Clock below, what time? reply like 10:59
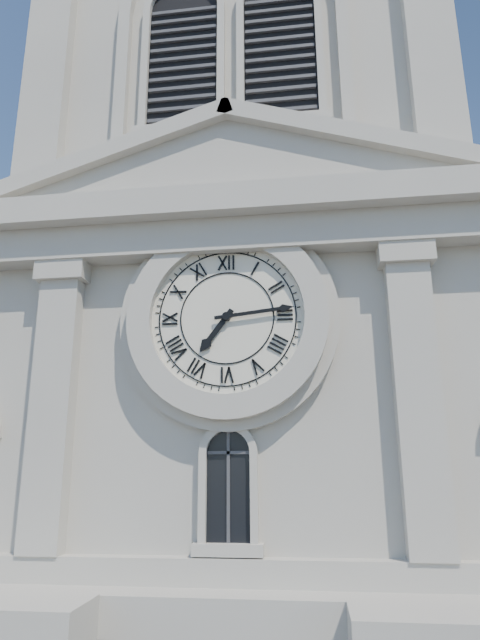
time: 7:14
